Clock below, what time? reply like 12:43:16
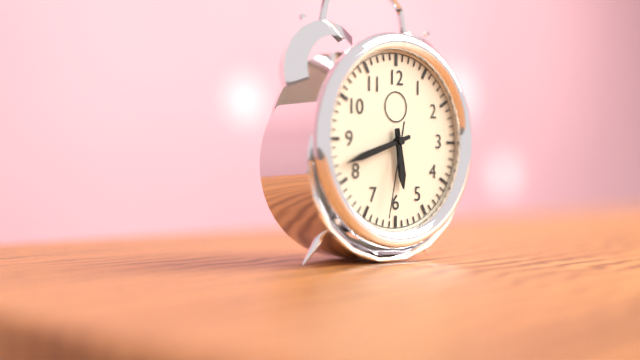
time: 5:42:32
